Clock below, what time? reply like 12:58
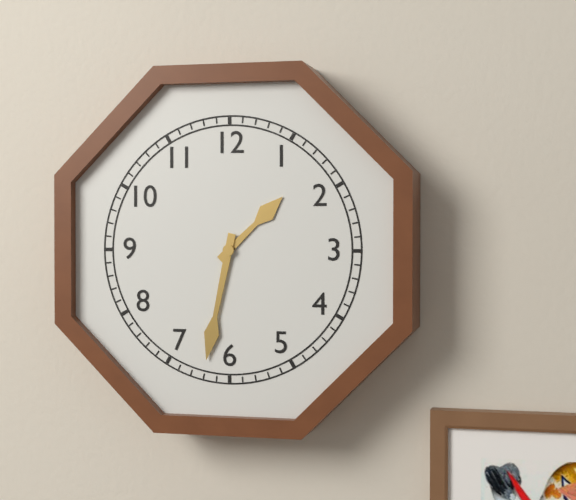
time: 1:32
